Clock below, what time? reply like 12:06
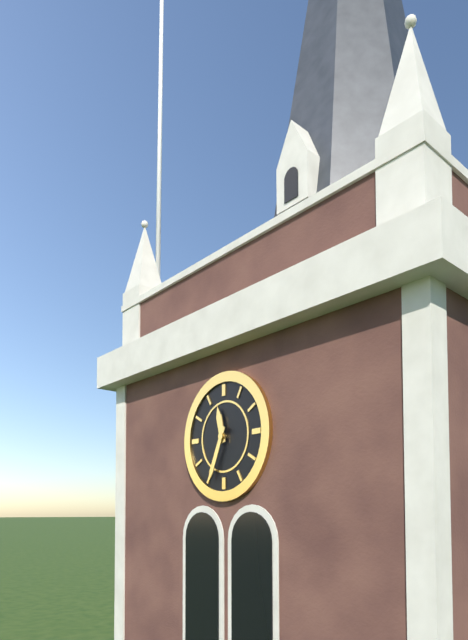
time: 11:34
